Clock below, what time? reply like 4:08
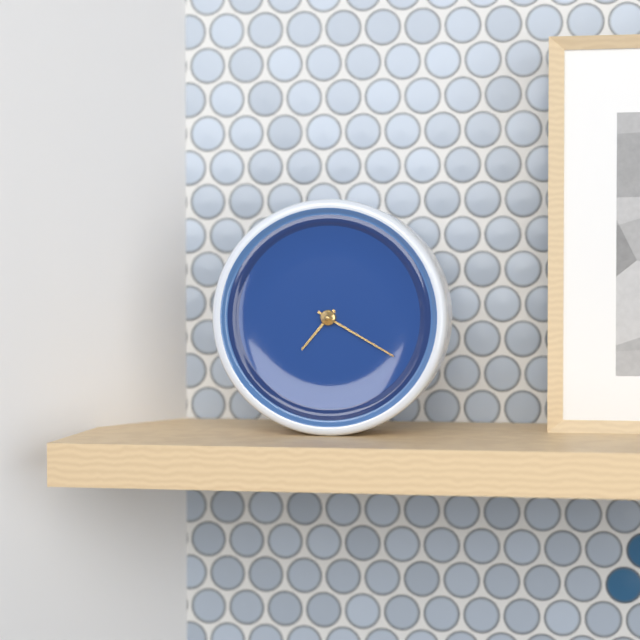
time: 7:20
